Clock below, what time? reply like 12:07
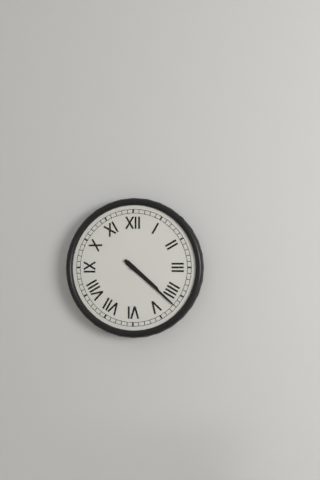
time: 4:22
